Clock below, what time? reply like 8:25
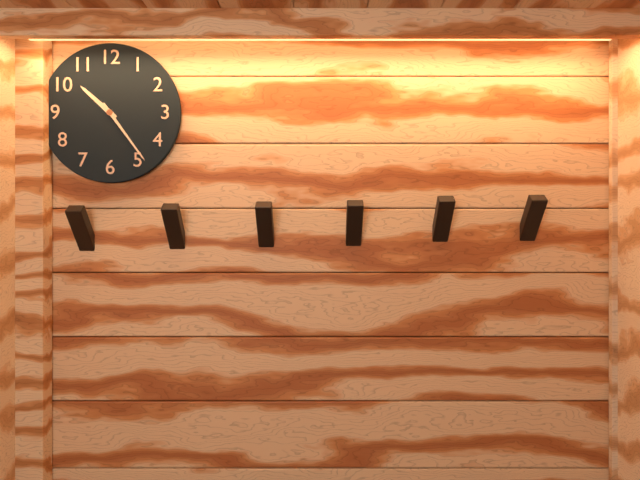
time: 10:24
